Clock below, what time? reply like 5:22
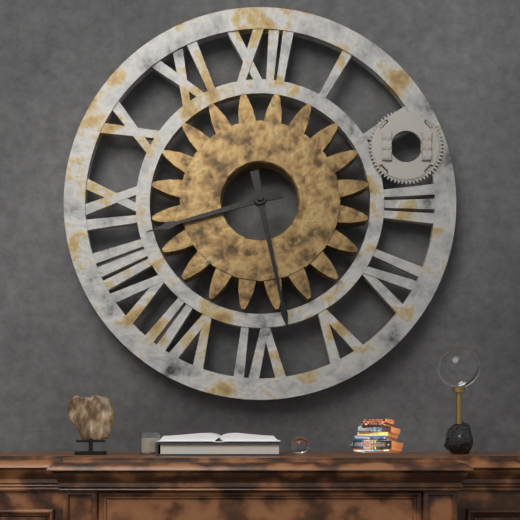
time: 8:28
